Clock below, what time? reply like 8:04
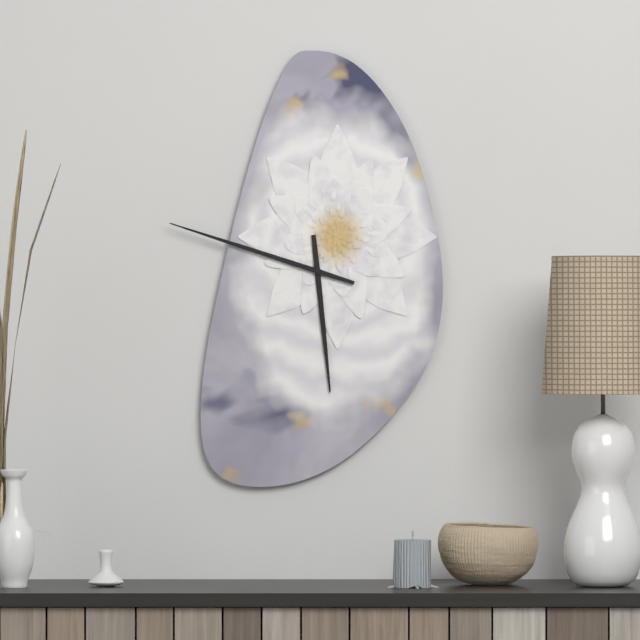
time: 5:48
